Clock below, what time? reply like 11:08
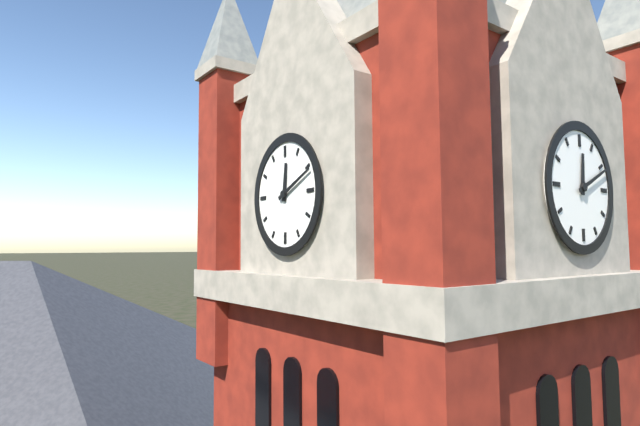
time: 12:11
